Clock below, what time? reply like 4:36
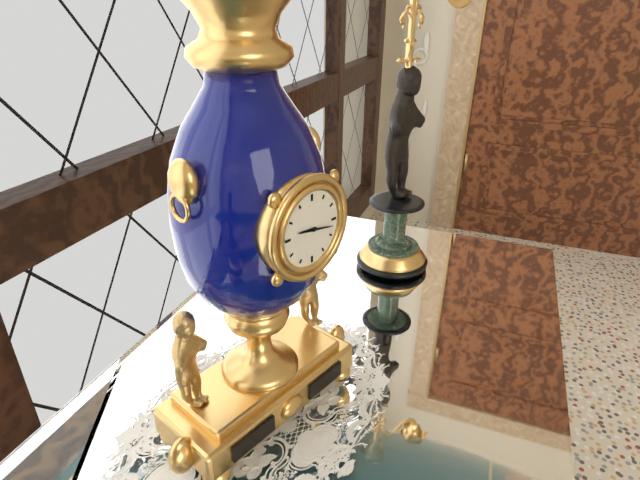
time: 9:17
